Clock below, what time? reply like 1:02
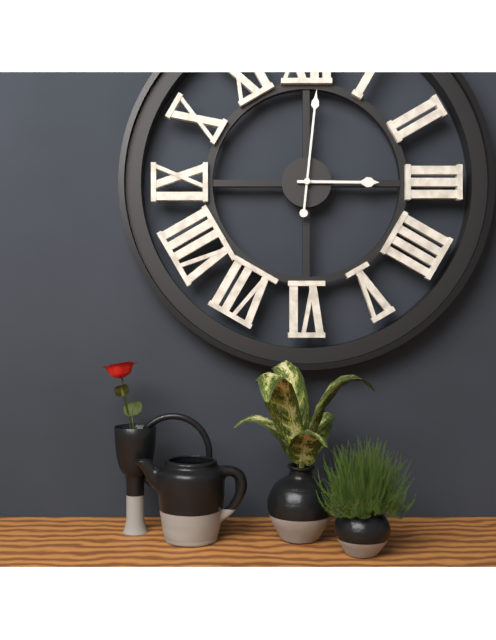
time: 3:01
